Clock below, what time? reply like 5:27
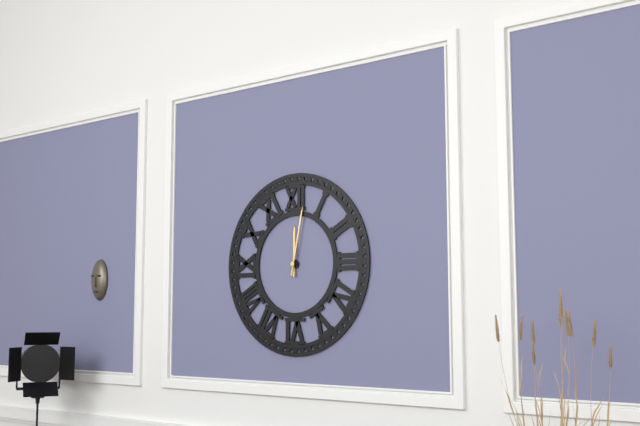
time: 12:02
